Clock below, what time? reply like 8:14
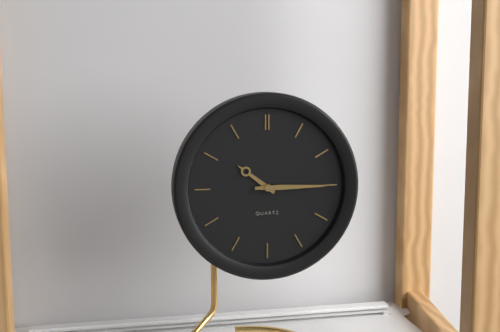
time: 10:15
